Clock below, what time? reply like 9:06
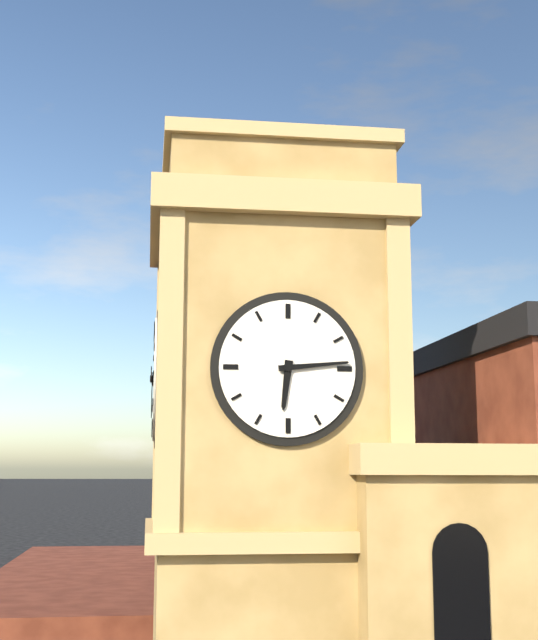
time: 6:14
